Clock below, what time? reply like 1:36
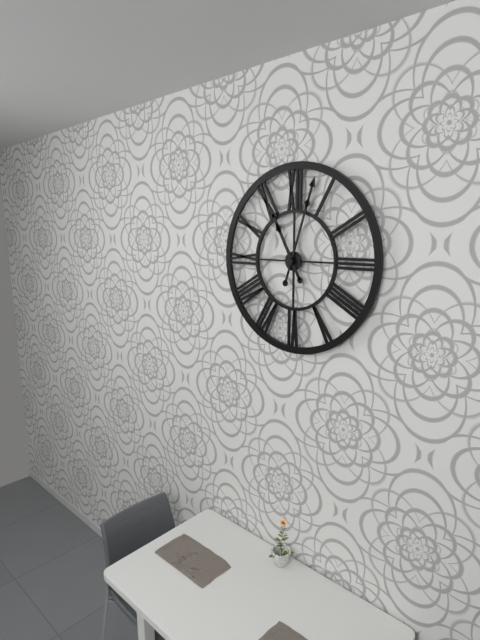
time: 11:03
